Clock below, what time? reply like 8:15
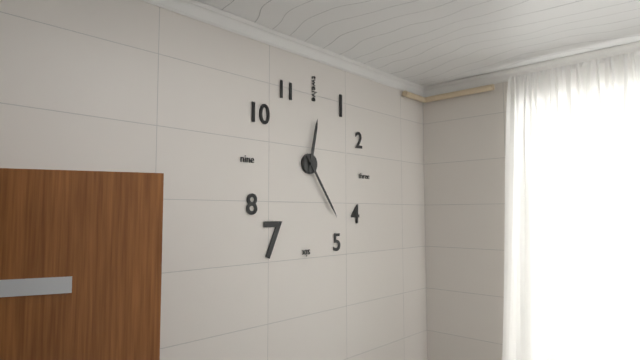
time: 12:24
